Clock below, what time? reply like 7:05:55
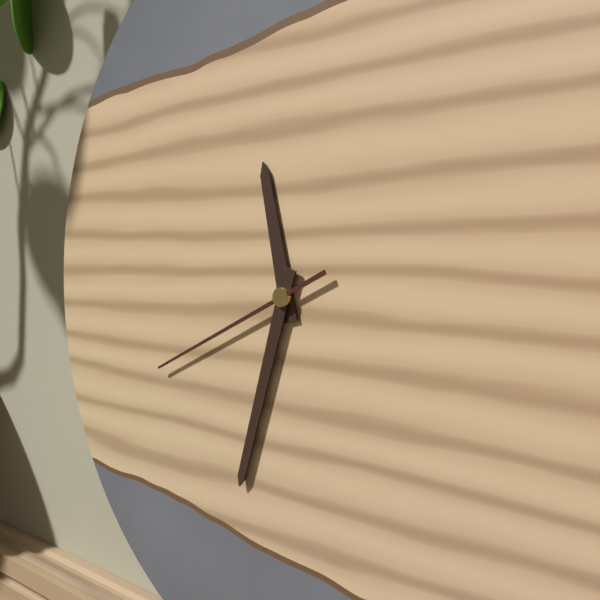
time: 11:33:41
